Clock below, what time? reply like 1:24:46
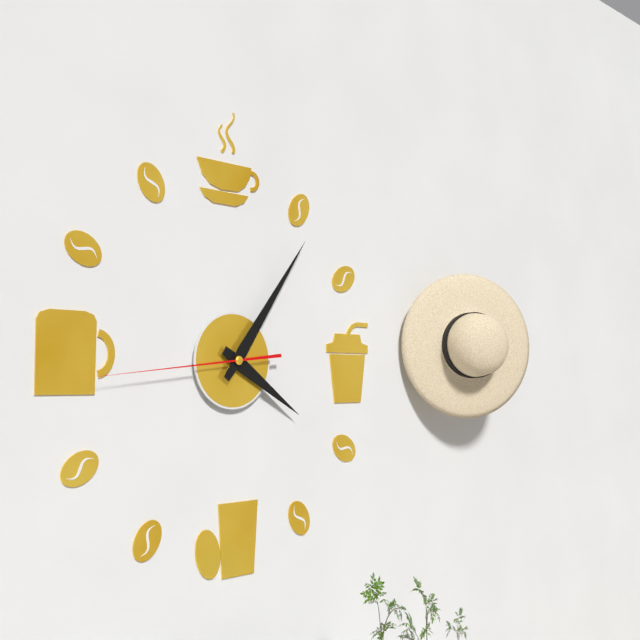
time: 4:06:44
